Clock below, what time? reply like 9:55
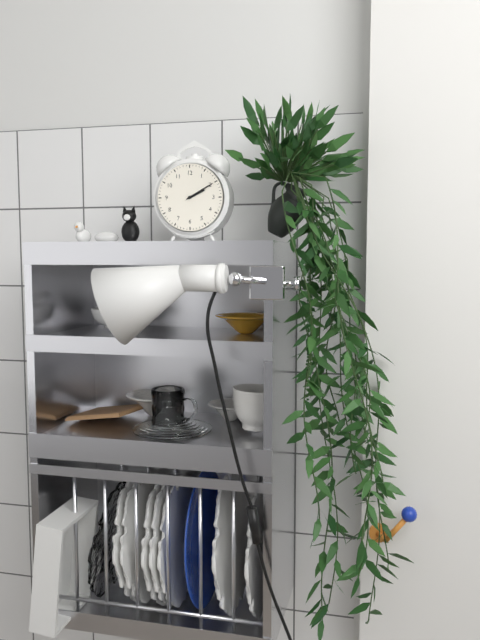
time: 2:10
